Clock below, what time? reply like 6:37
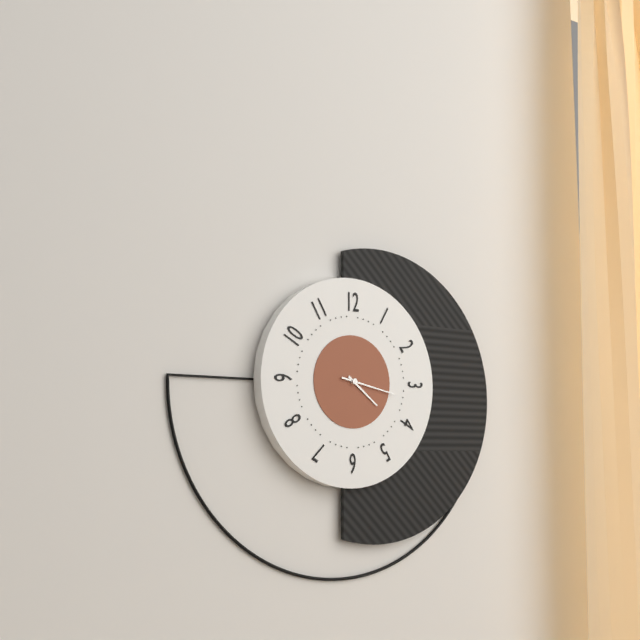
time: 4:17
